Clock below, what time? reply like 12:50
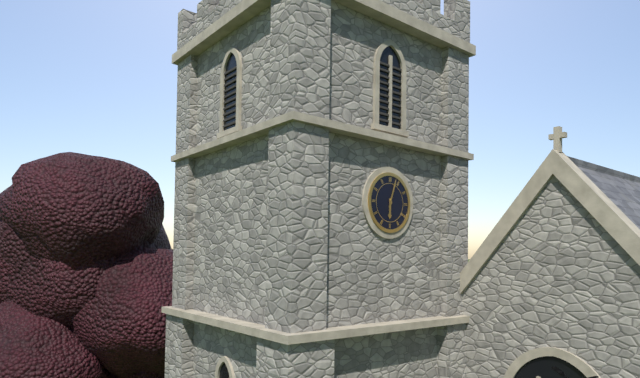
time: 6:03
